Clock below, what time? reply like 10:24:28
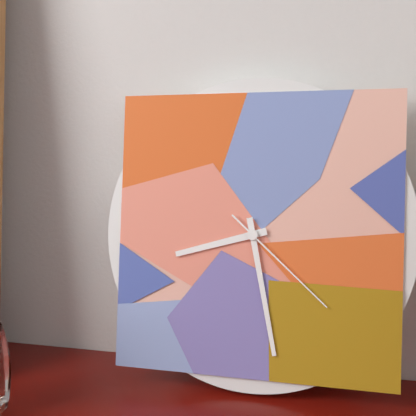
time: 8:28:22
